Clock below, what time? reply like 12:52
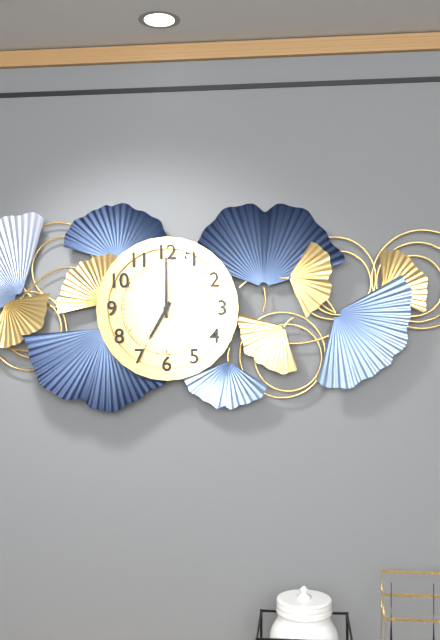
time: 7:00
